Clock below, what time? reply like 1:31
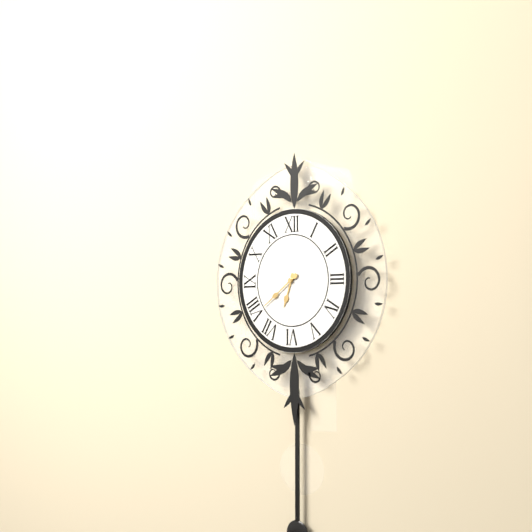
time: 6:39
